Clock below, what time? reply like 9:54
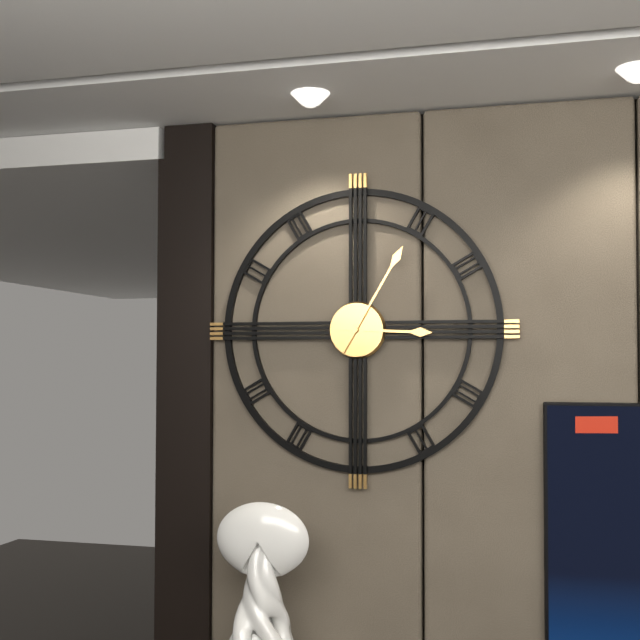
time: 3:05
